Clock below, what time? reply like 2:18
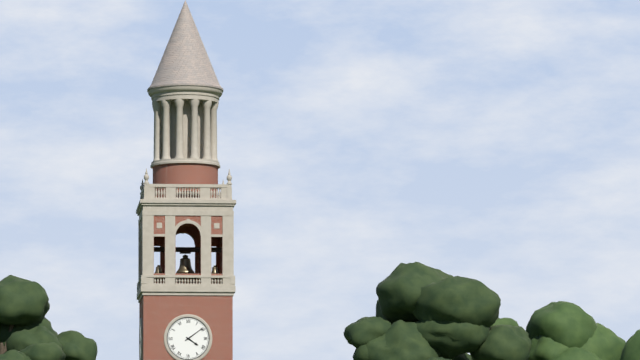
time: 4:09
